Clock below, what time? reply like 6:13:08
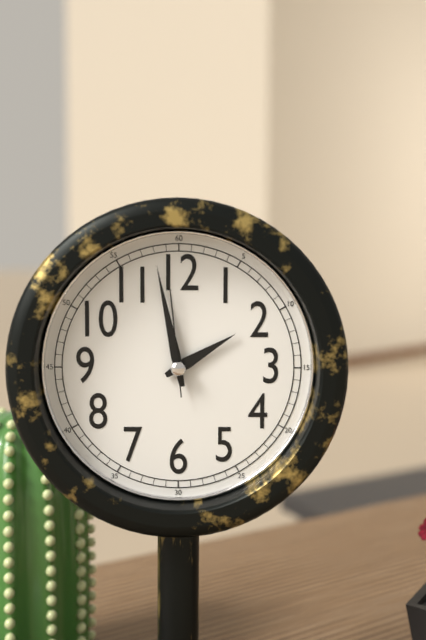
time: 1:58:59
